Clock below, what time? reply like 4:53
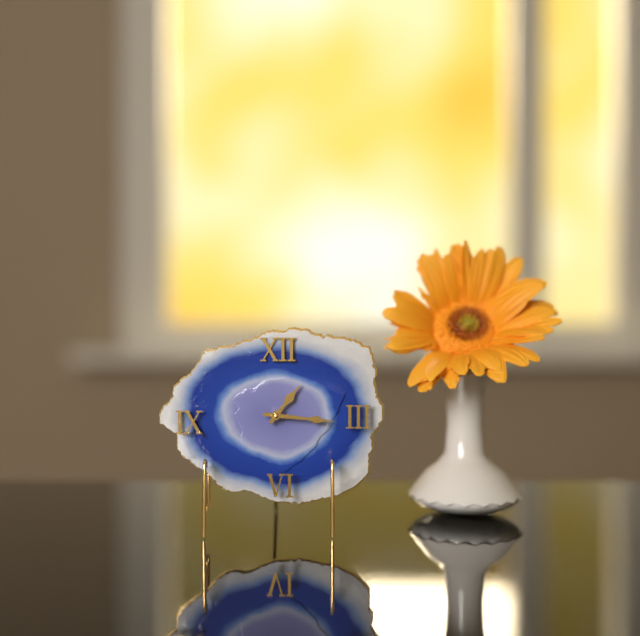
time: 1:16
